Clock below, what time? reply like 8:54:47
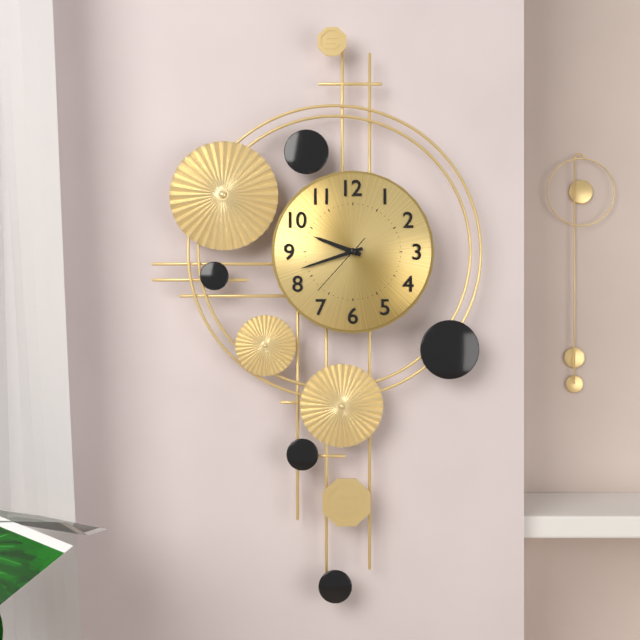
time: 9:42:37
